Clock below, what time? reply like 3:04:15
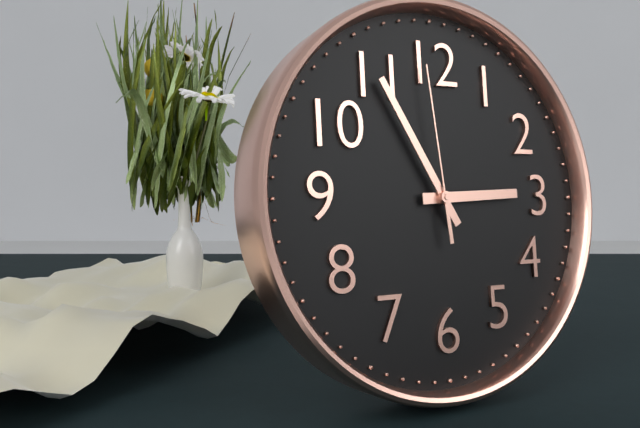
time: 2:55:59
